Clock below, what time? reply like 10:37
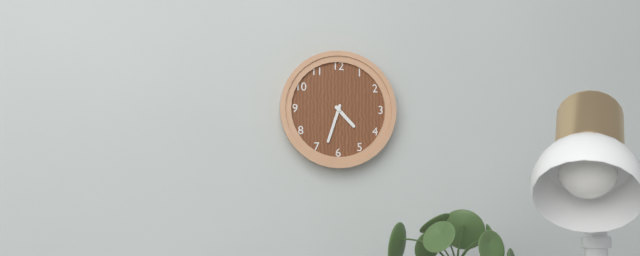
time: 4:33
